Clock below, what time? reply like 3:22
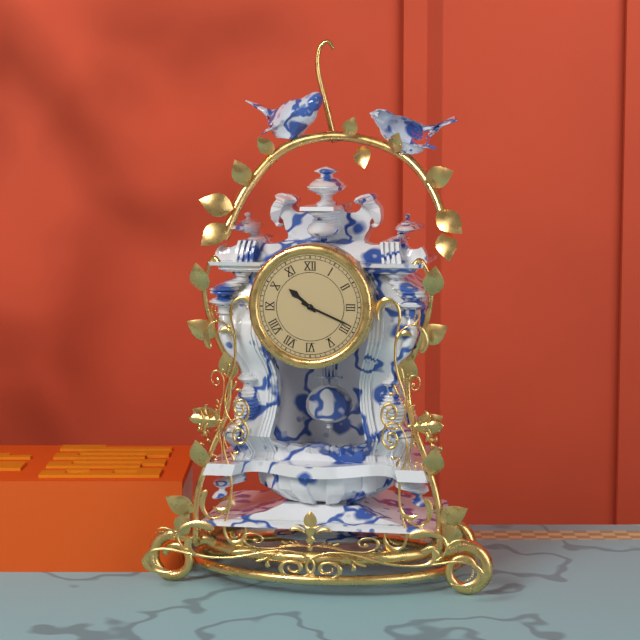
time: 10:19
